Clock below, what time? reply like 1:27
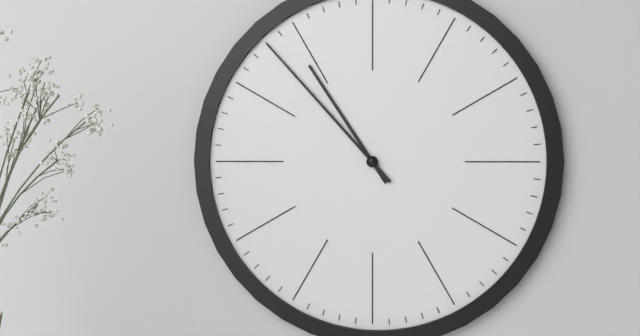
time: 10:53
